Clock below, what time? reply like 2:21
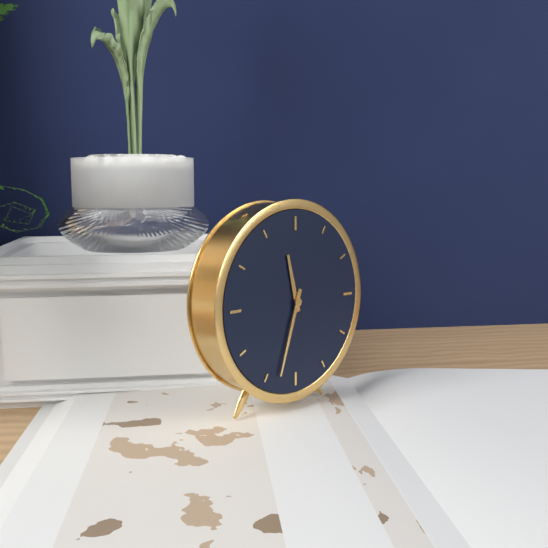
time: 11:33
